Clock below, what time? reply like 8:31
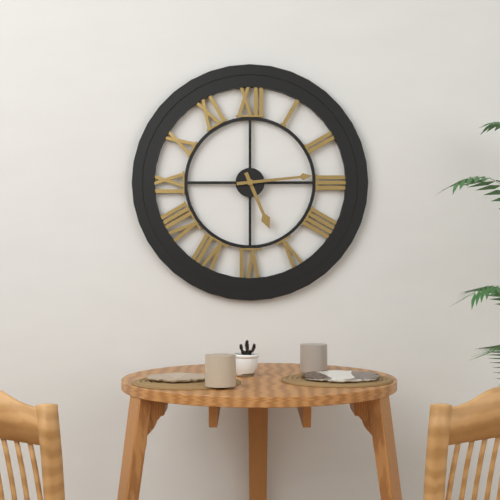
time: 5:14
